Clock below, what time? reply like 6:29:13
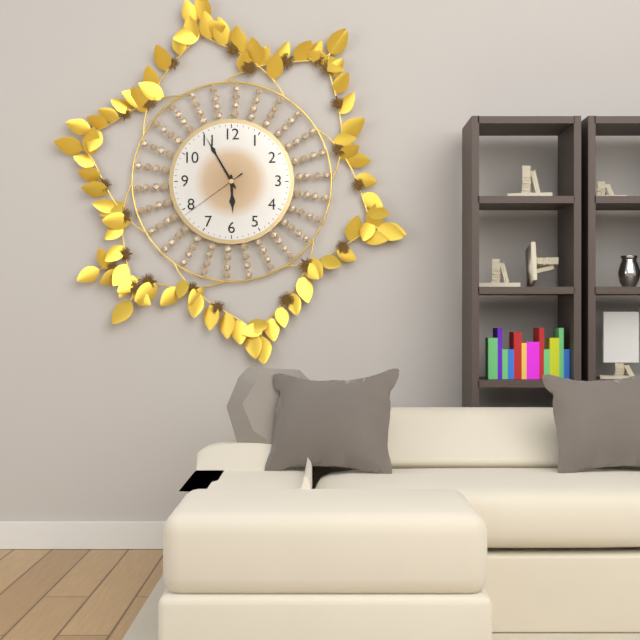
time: 5:55:39
